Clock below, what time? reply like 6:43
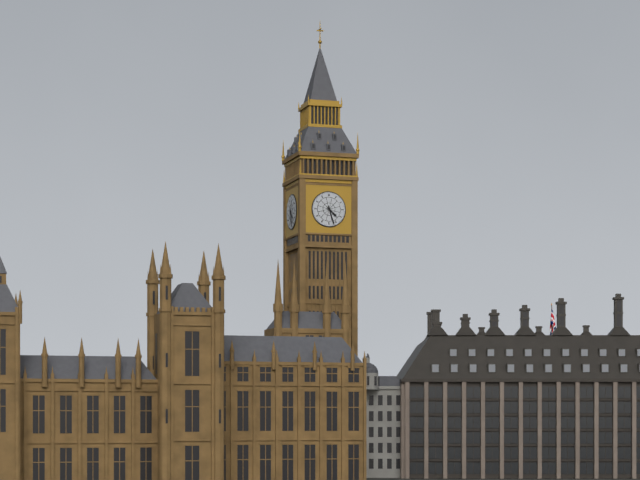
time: 4:27
